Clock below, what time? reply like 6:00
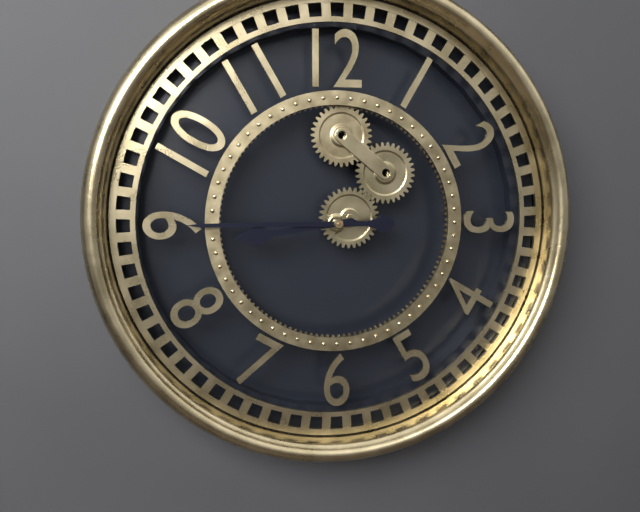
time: 8:45
